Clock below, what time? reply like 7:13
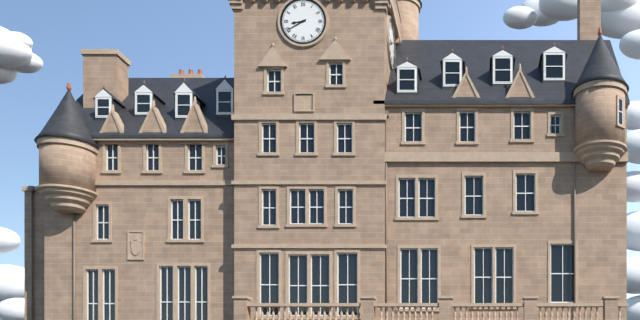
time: 8:40
